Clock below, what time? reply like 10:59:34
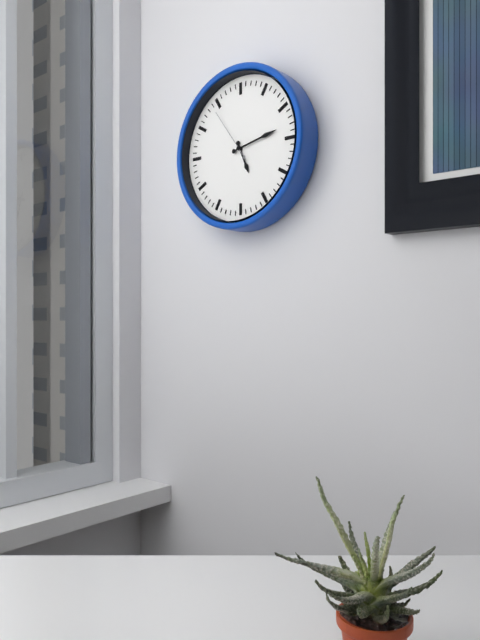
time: 5:13:54
